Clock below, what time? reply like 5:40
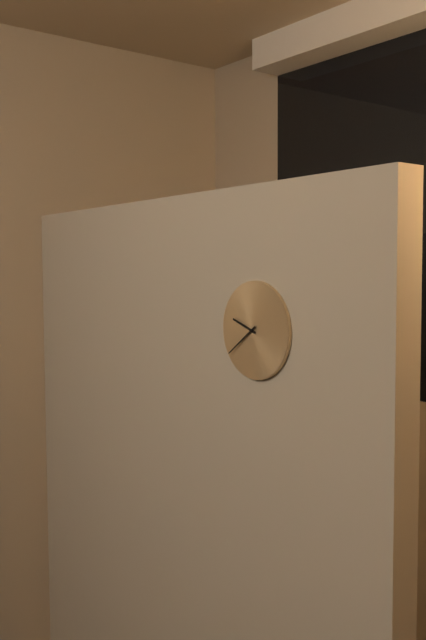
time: 9:39
